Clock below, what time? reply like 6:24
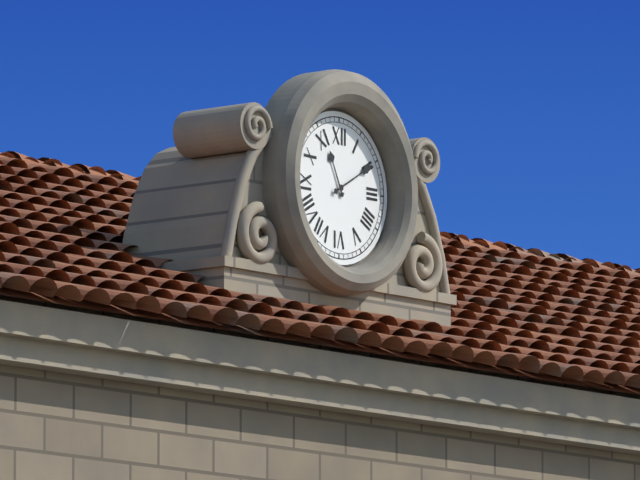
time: 11:10
